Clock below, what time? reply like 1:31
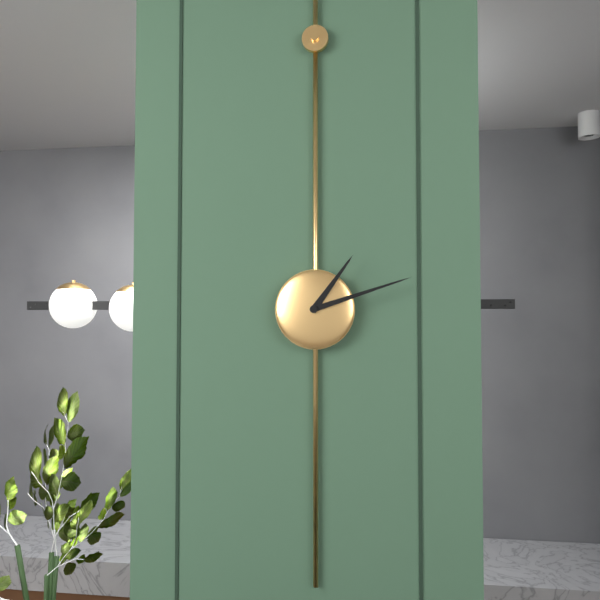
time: 1:12
